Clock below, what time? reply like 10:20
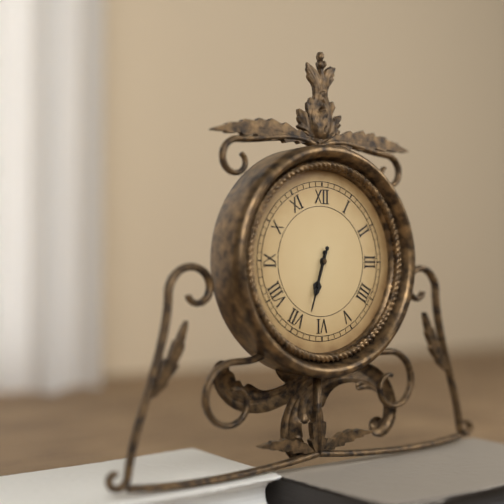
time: 6:33
